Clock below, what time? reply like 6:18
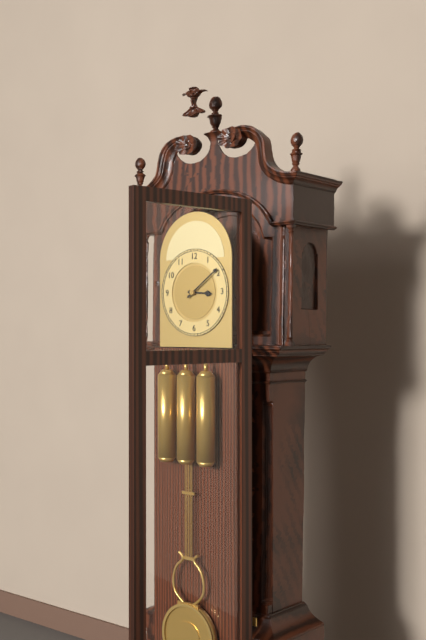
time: 3:09
